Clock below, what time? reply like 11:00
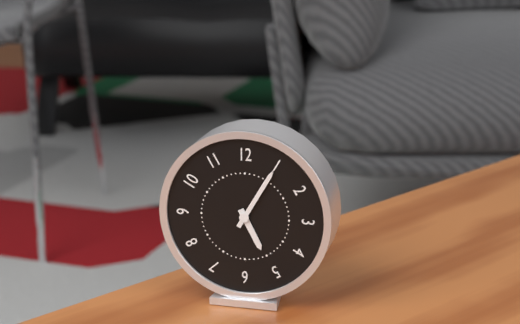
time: 5:05
